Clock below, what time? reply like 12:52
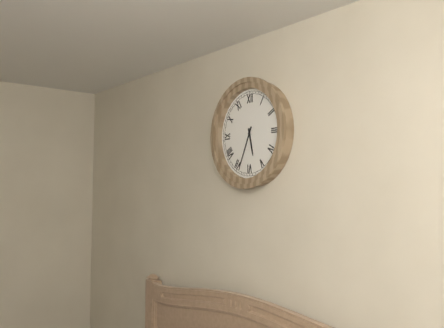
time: 5:34
